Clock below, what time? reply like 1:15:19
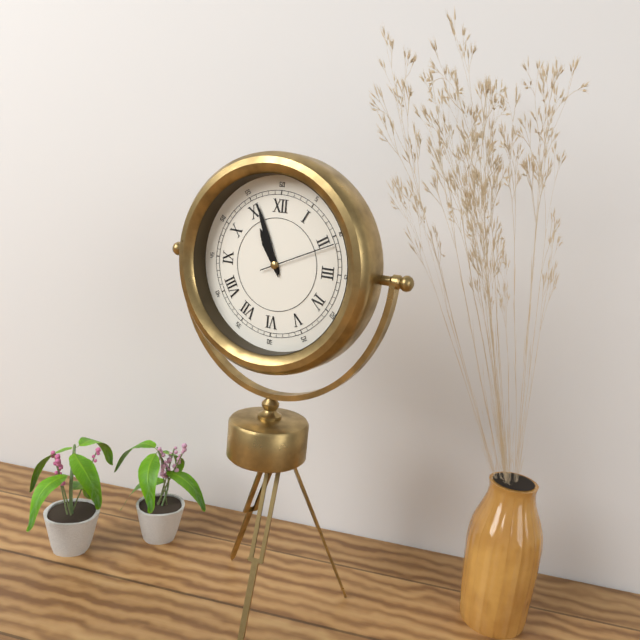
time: 10:56:11
